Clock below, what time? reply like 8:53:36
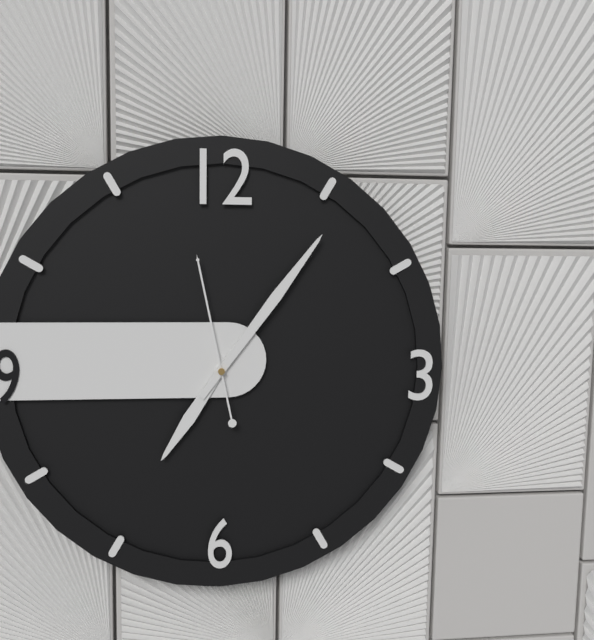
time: 7:06:58
